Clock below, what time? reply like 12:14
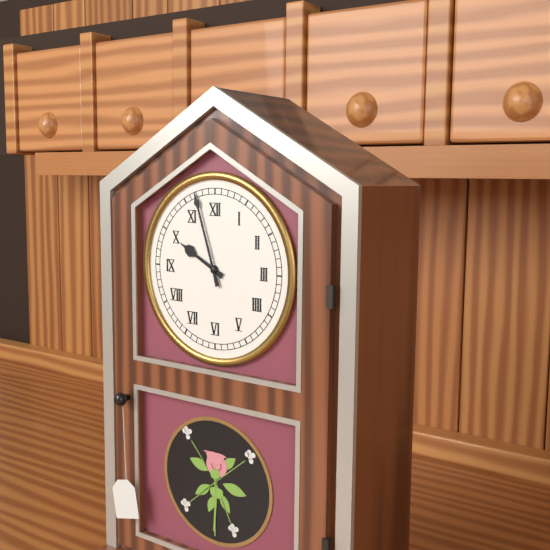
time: 9:57
